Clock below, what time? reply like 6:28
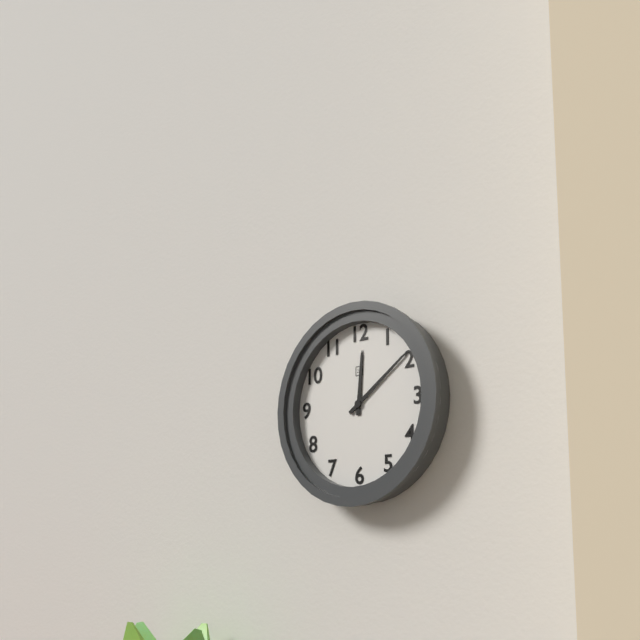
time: 12:09
